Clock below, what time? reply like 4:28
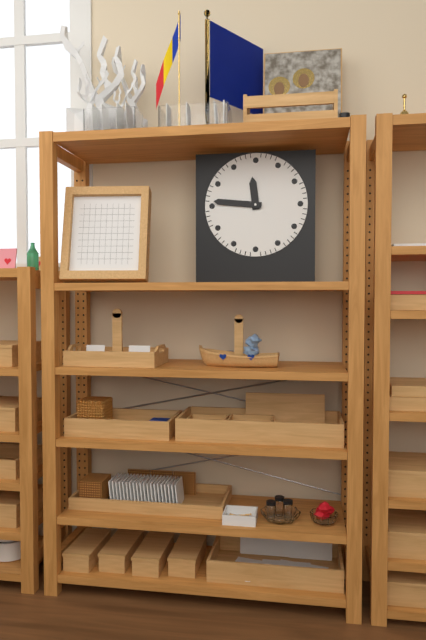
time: 11:46
